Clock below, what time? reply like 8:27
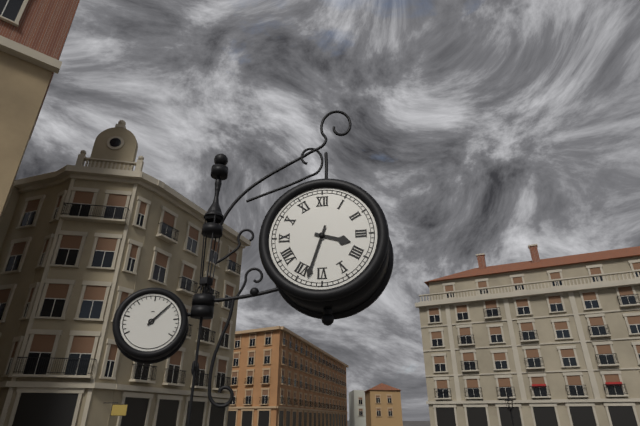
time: 3:33
